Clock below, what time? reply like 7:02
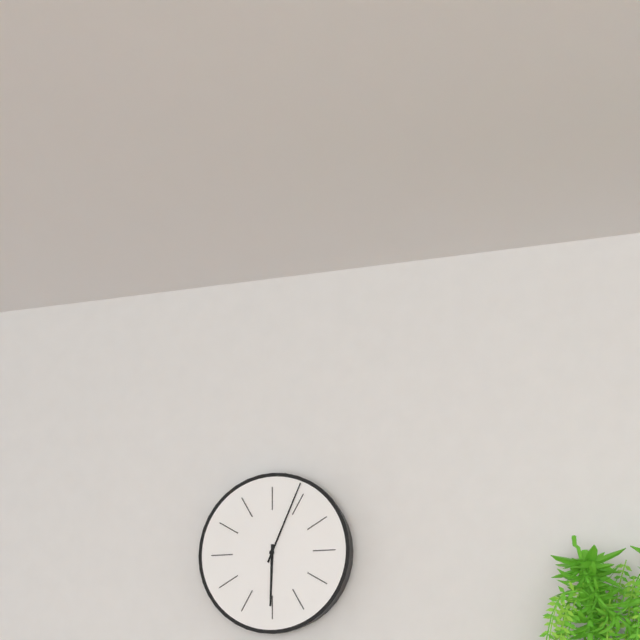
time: 6:04
